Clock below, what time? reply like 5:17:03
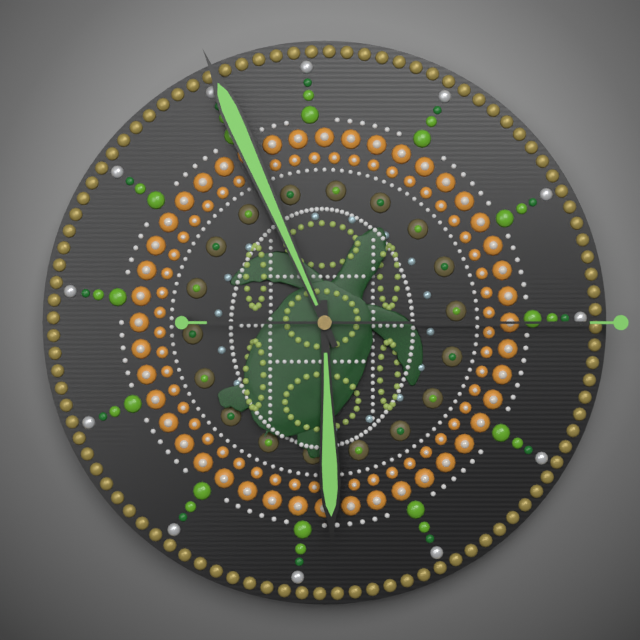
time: 5:56:15
